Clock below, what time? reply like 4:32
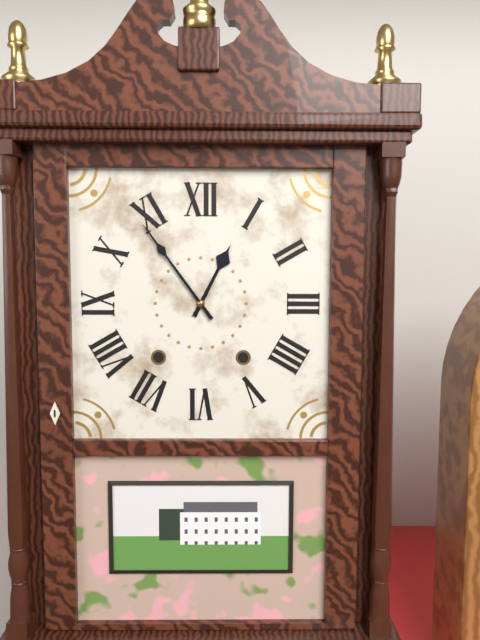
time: 12:54
